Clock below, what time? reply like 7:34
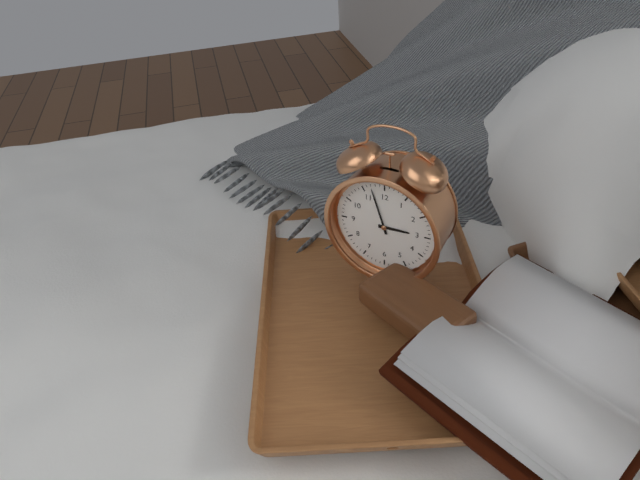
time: 2:57
